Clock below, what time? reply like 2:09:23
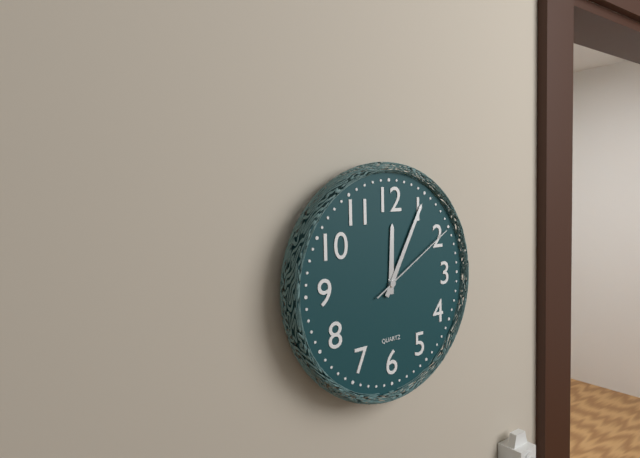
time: 12:05:10
